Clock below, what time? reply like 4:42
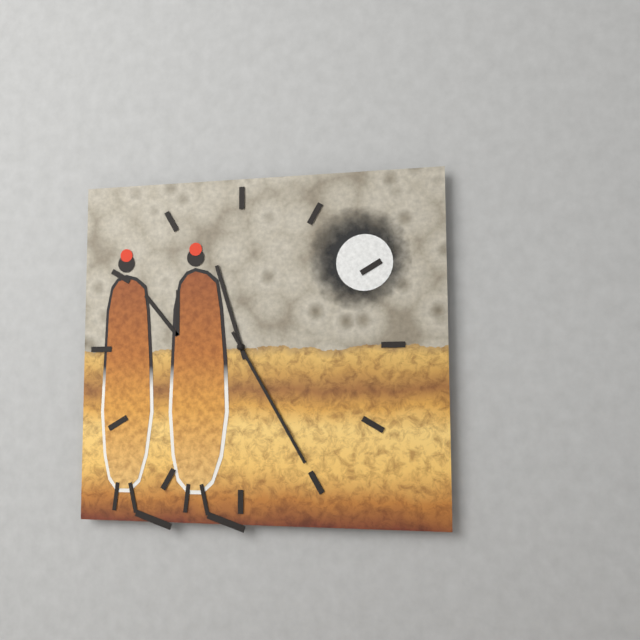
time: 11:25
